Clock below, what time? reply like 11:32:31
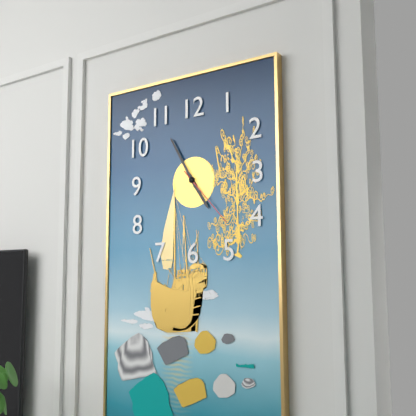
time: 4:55:23
